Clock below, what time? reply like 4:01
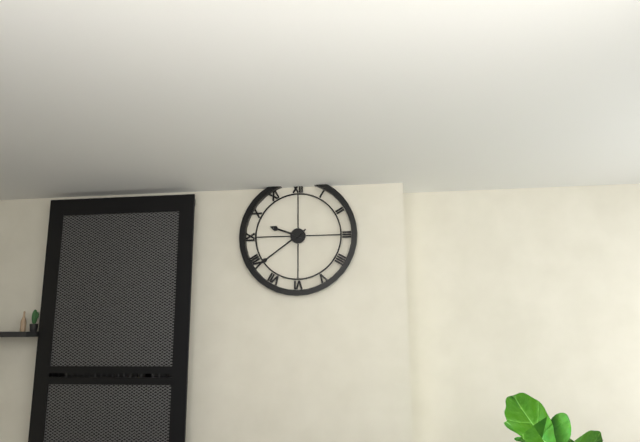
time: 9:39
